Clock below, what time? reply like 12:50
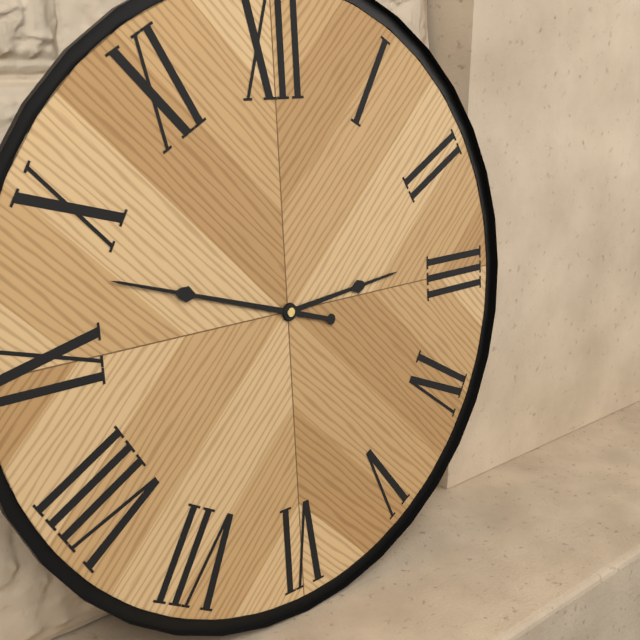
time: 2:48
